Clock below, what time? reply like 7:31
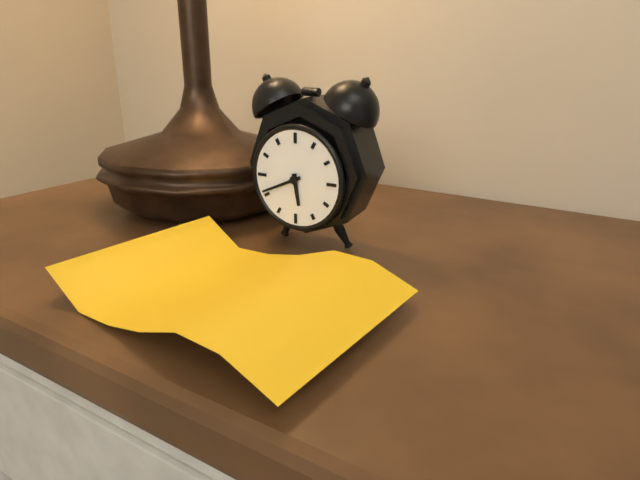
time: 5:41
